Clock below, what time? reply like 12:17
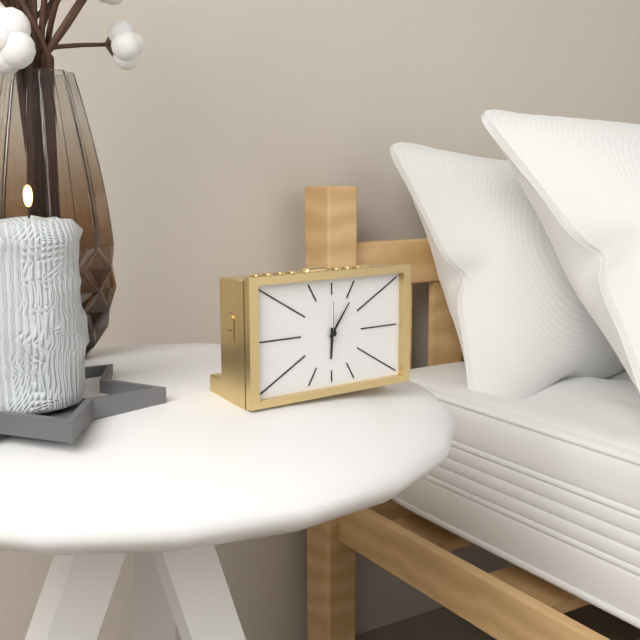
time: 6:06
